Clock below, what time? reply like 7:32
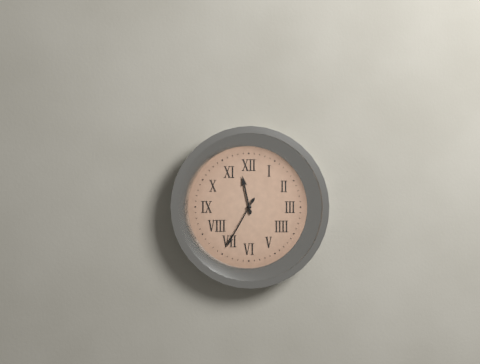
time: 11:35
